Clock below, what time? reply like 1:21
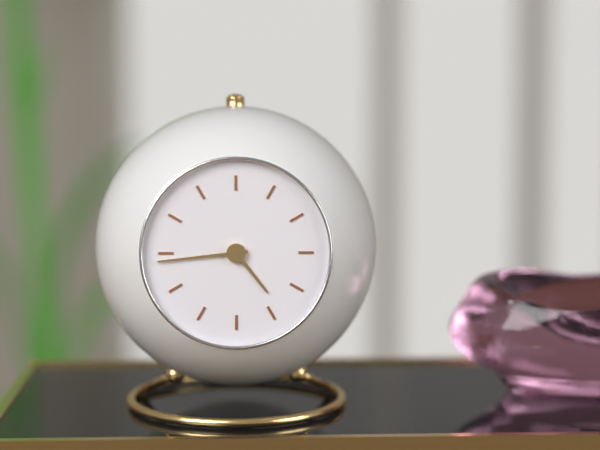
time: 4:44
